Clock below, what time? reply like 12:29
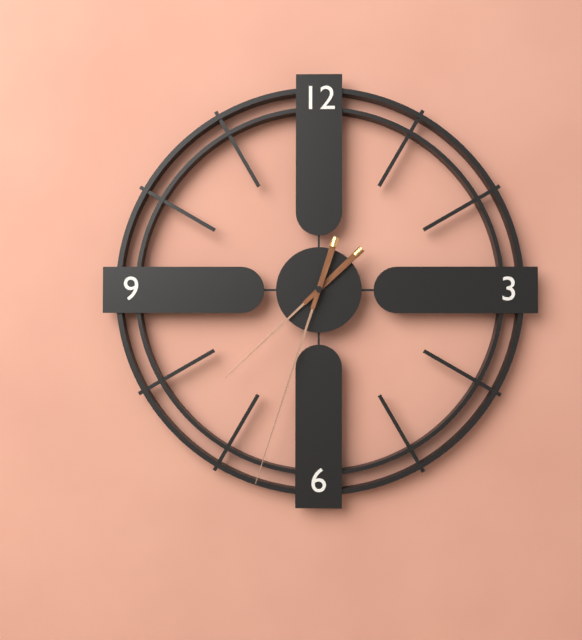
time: 7:33
